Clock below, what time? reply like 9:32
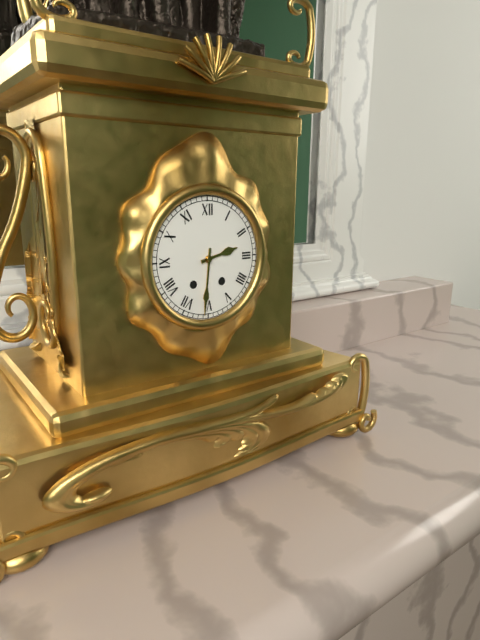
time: 2:31
